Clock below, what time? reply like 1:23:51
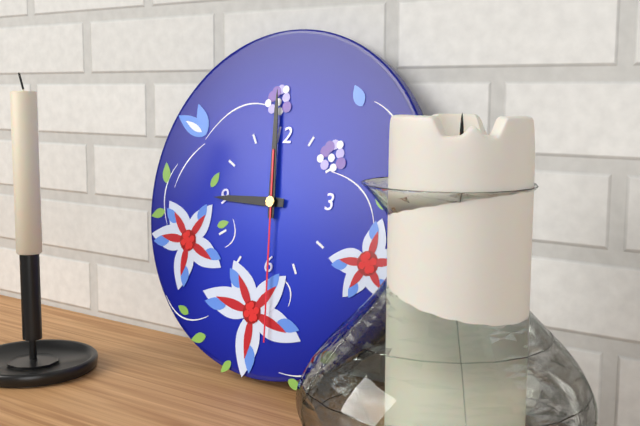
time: 8:59:29
